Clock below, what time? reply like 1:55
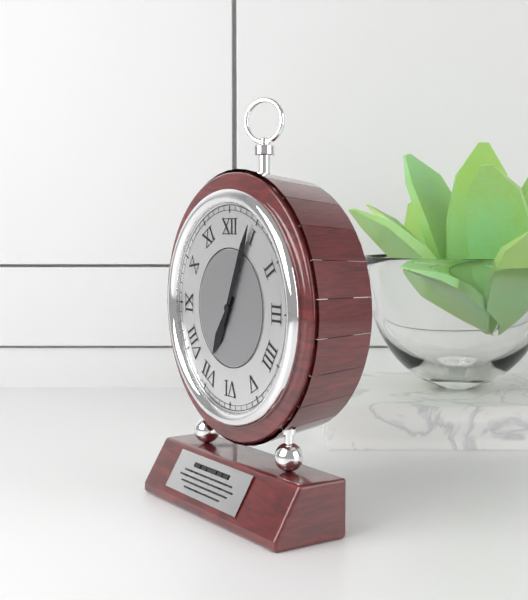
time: 7:04
